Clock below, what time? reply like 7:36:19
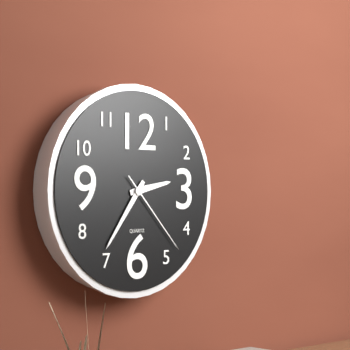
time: 2:36:23
